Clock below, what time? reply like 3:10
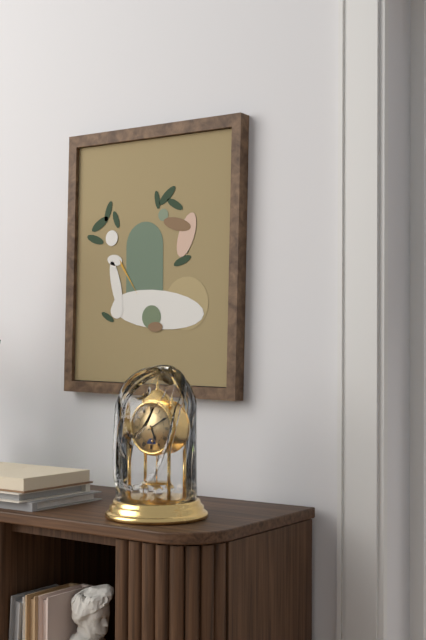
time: 5:10
